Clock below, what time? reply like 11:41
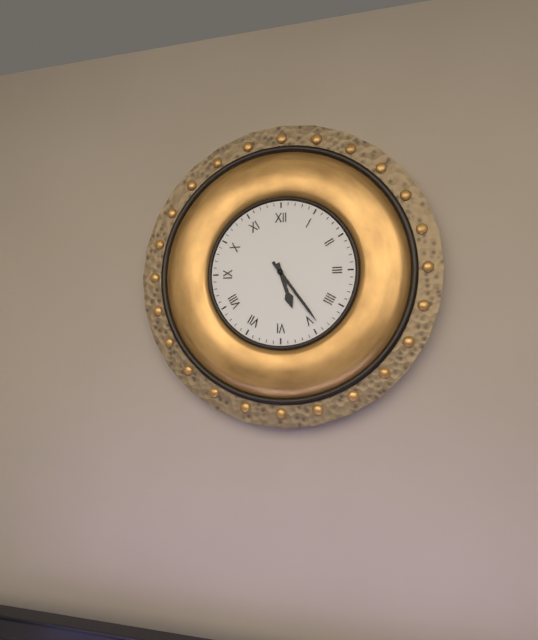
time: 5:24
